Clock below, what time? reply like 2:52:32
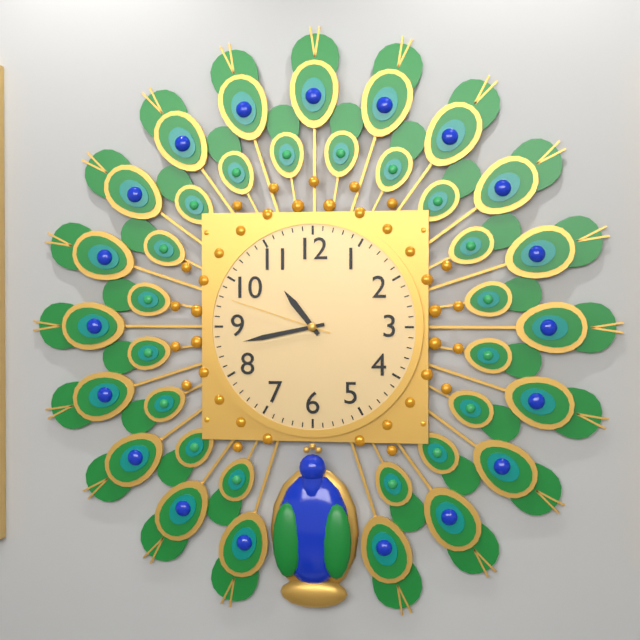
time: 10:43:48
